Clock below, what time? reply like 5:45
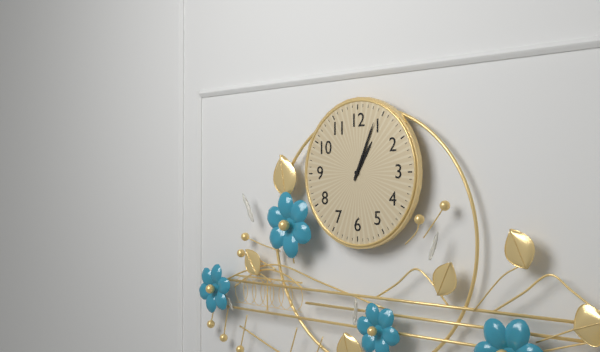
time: 1:04
